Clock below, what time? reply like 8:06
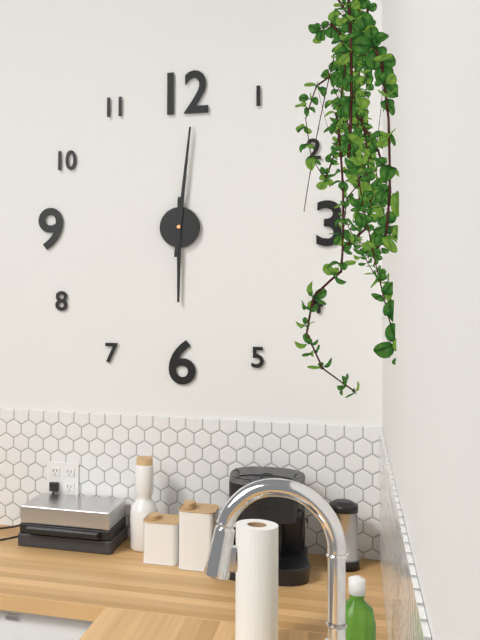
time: 6:01
